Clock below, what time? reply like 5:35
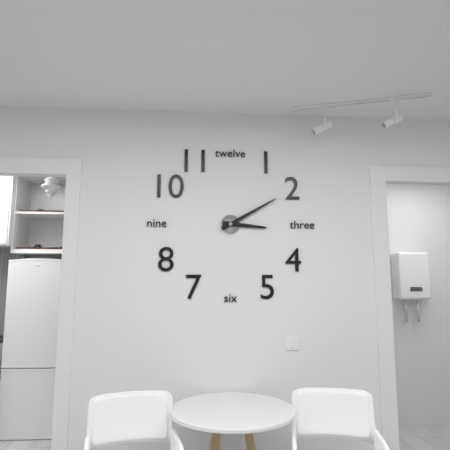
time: 3:10
